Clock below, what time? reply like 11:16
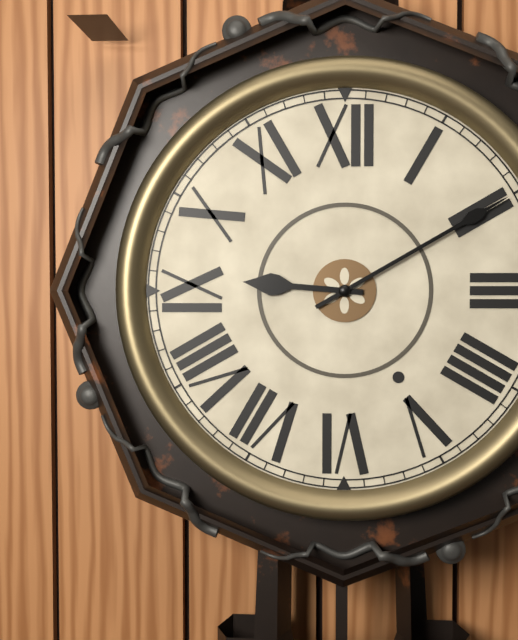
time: 9:10
